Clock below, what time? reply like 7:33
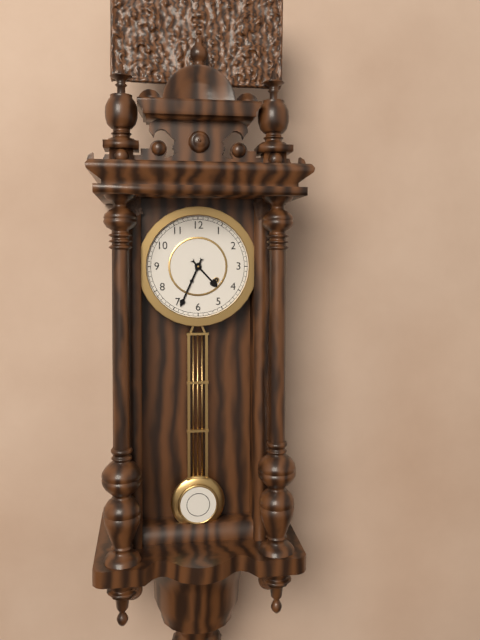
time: 4:34
